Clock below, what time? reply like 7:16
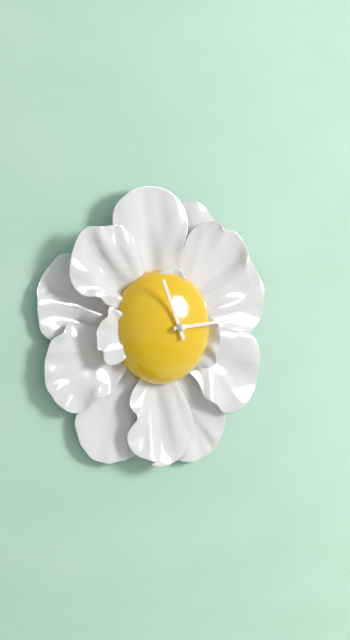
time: 11:14
